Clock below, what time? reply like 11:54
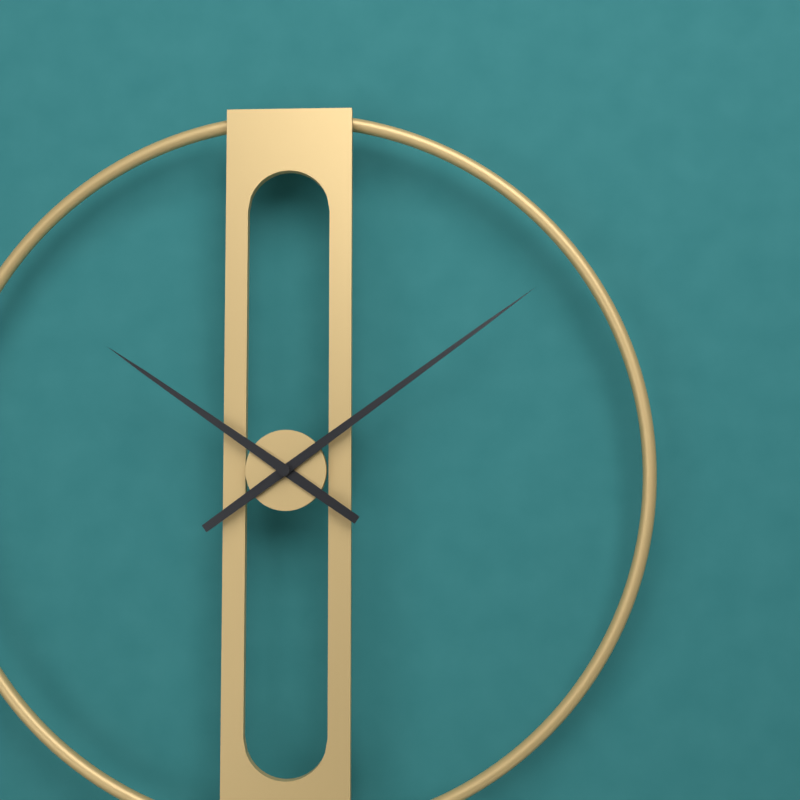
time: 10:09
